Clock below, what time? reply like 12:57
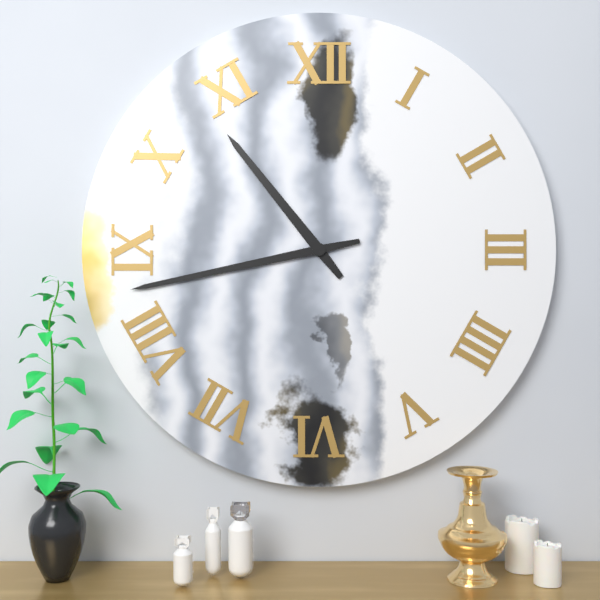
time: 10:43
